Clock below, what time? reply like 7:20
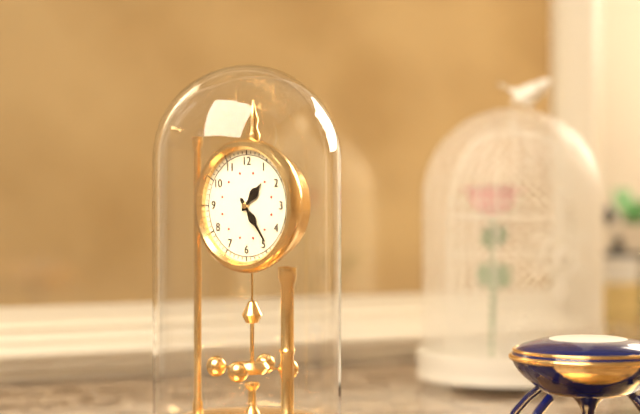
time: 1:24
